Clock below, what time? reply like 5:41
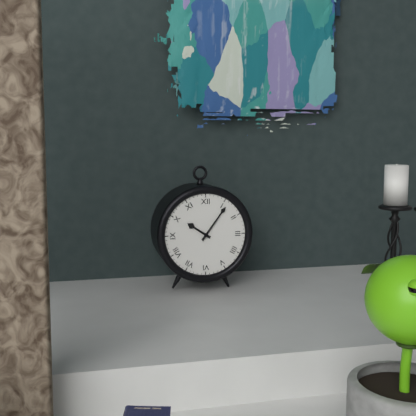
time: 10:06
